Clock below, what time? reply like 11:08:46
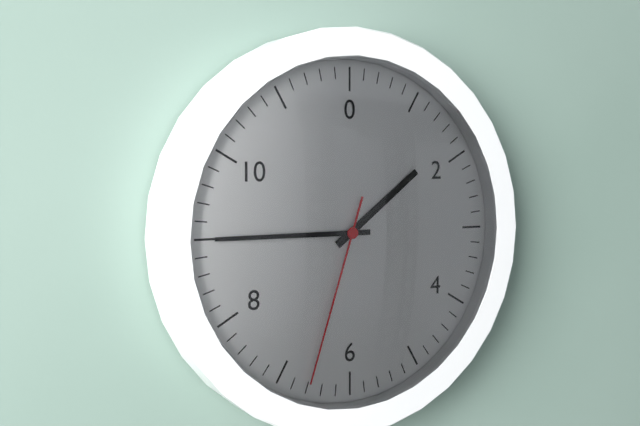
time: 1:45:33
